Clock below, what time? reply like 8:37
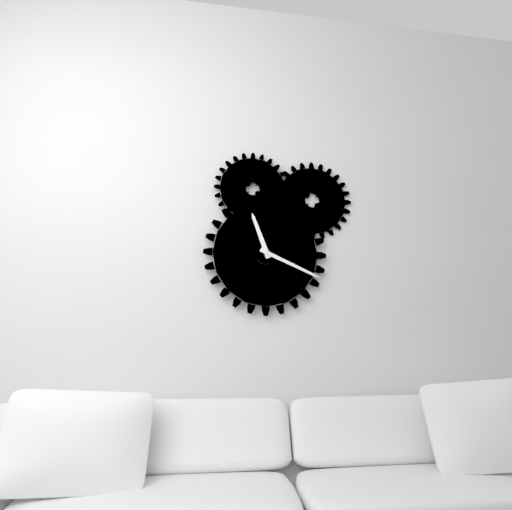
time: 11:19
